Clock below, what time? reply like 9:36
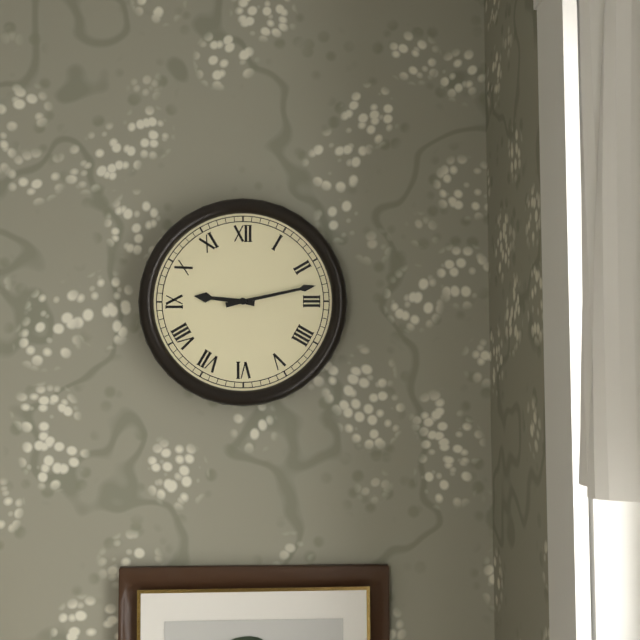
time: 9:13
